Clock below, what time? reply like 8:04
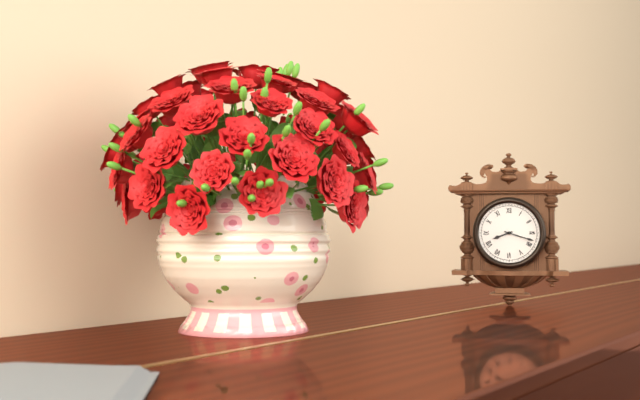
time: 8:18
